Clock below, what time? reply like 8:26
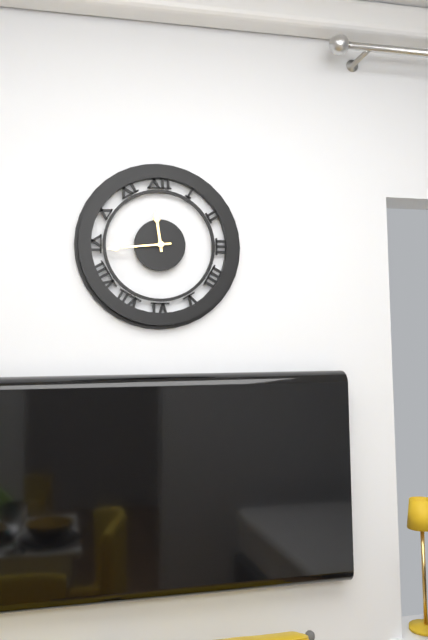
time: 11:44
